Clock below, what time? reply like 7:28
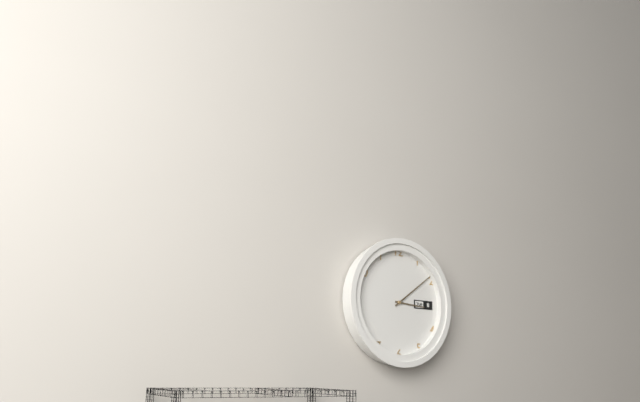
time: 3:09
